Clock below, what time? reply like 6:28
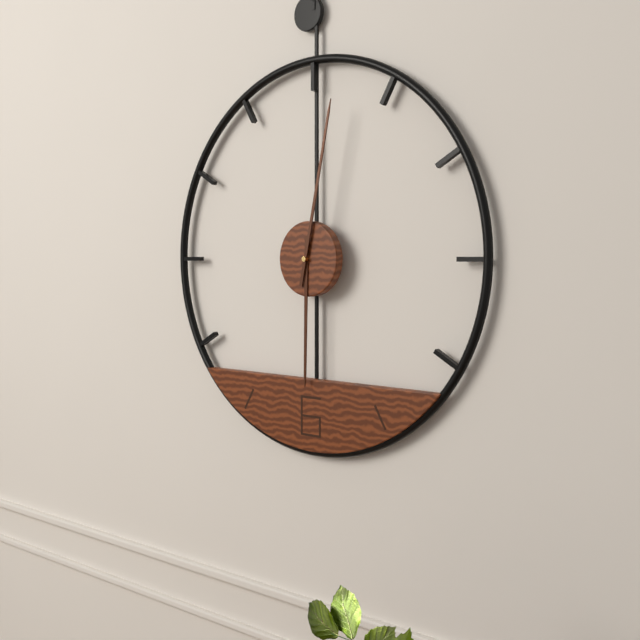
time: 6:02
